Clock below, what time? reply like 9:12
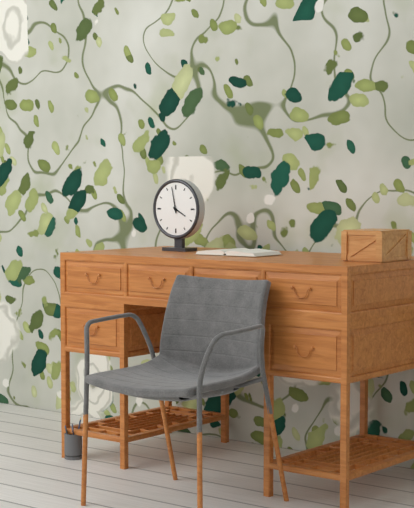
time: 3:58
